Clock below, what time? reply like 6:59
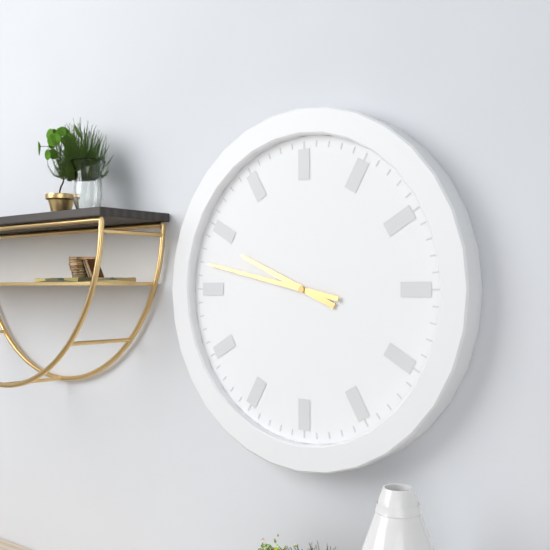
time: 9:47
